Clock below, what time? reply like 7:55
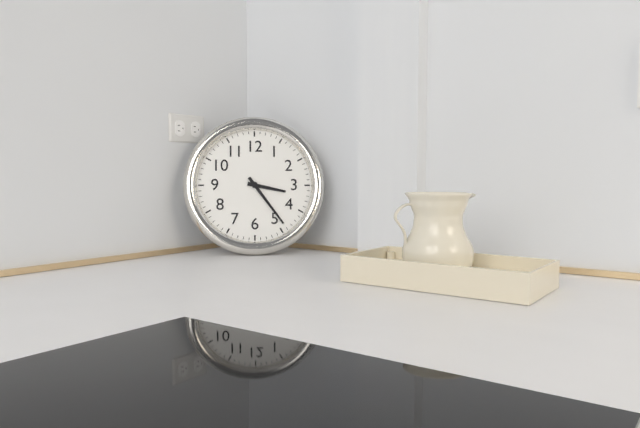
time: 3:24
